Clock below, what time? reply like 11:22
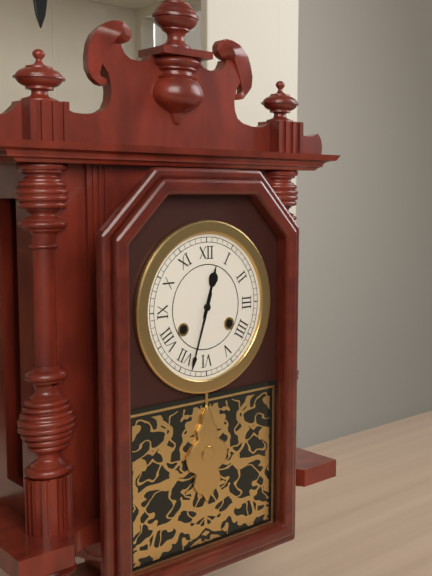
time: 12:33
